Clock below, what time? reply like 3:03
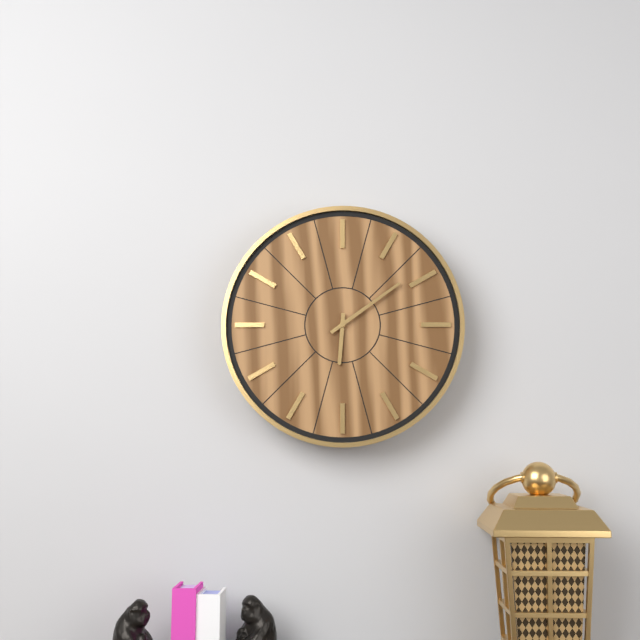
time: 6:09
